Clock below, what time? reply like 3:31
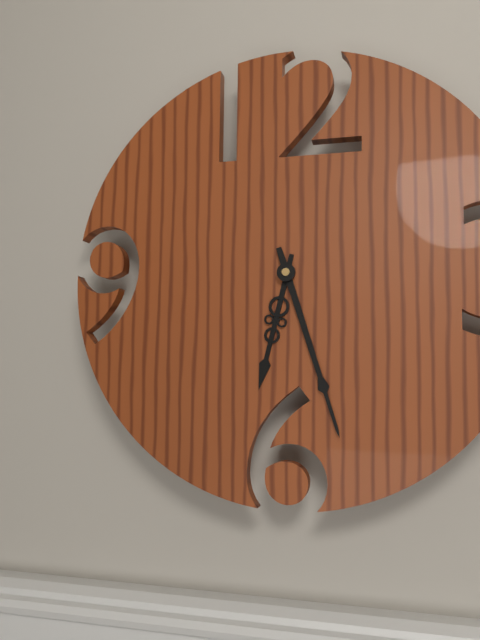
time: 6:27
